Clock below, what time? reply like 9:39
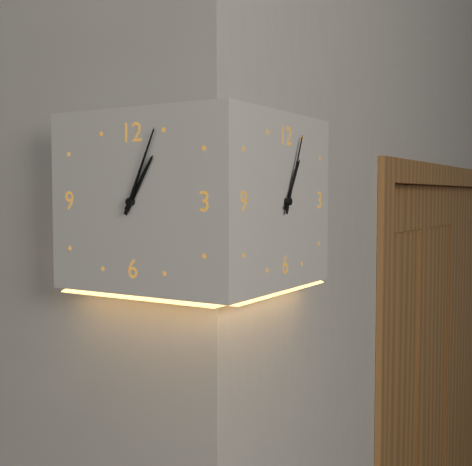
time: 1:04
